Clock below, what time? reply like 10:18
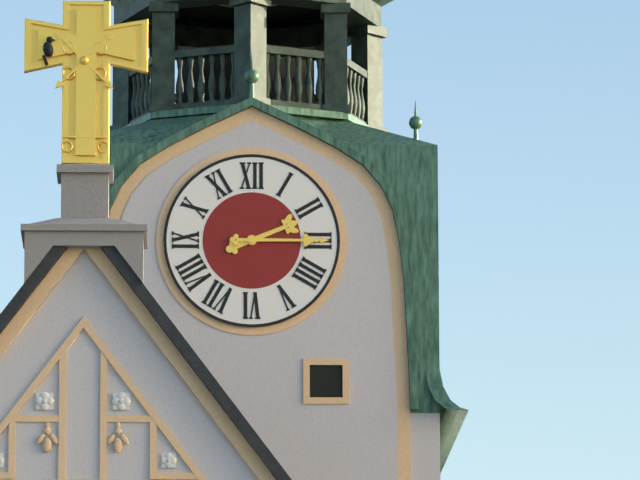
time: 2:15
